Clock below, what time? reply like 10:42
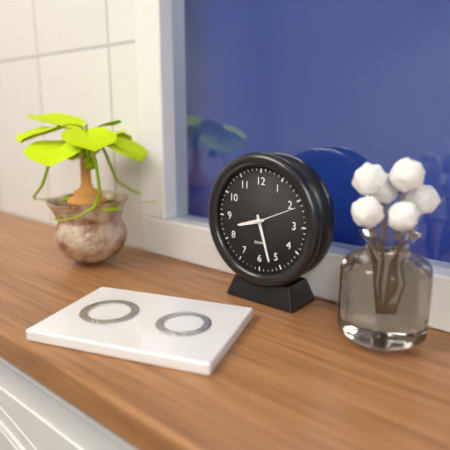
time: 8:27
